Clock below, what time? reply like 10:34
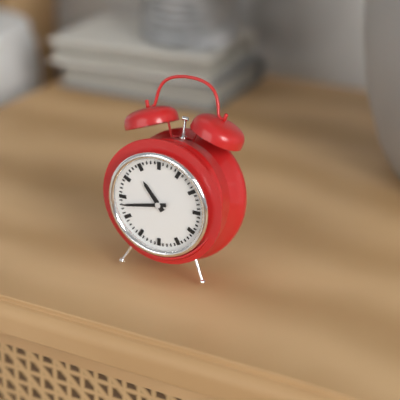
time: 10:43
